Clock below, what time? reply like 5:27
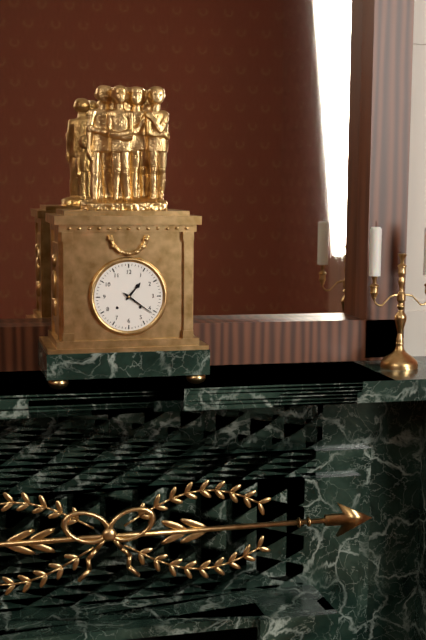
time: 1:21
